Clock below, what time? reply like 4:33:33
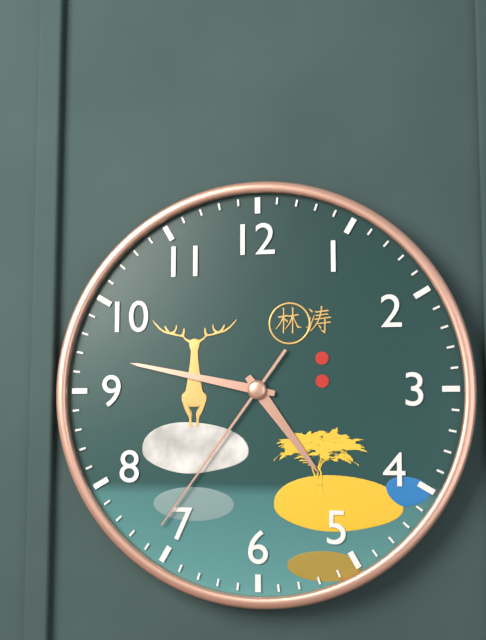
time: 4:47:36
